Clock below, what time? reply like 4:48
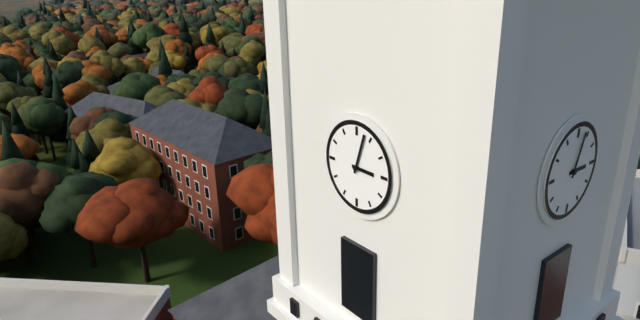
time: 3:03
